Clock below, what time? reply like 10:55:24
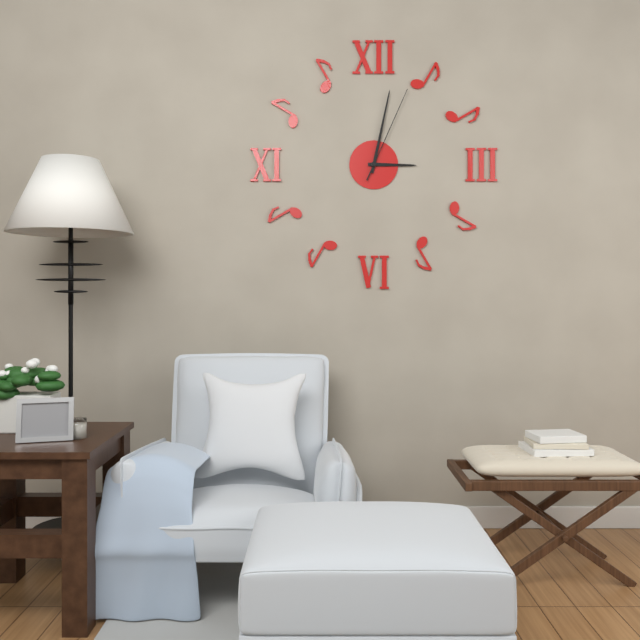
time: 3:02:04
